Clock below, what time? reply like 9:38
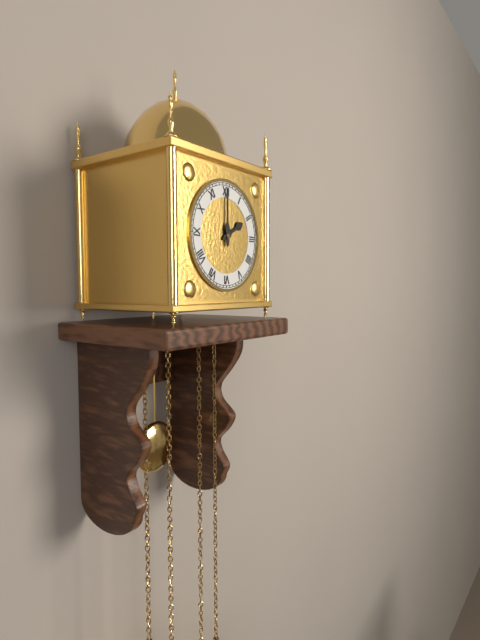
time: 2:00
